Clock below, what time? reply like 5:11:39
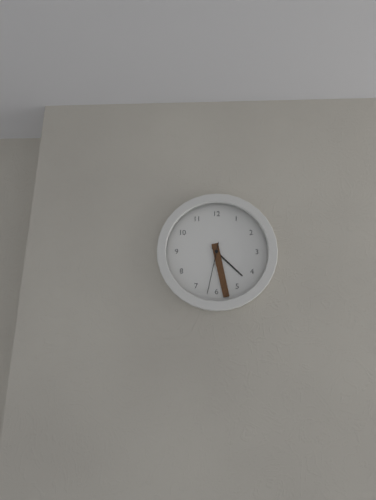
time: 4:28:32
